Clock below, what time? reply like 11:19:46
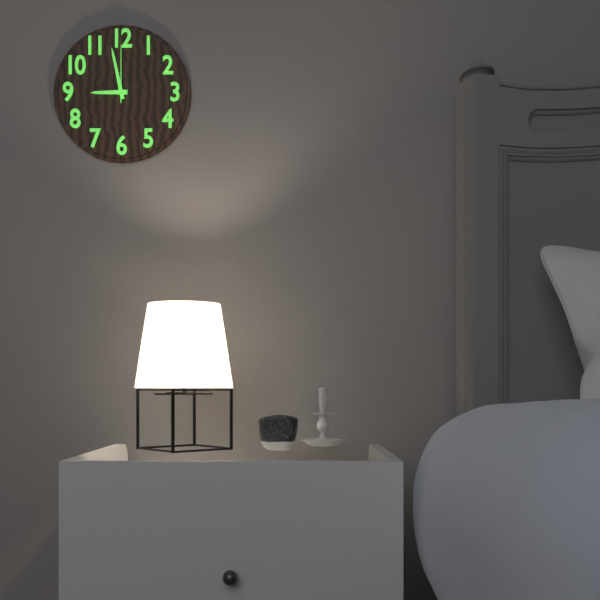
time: 8:58:00
